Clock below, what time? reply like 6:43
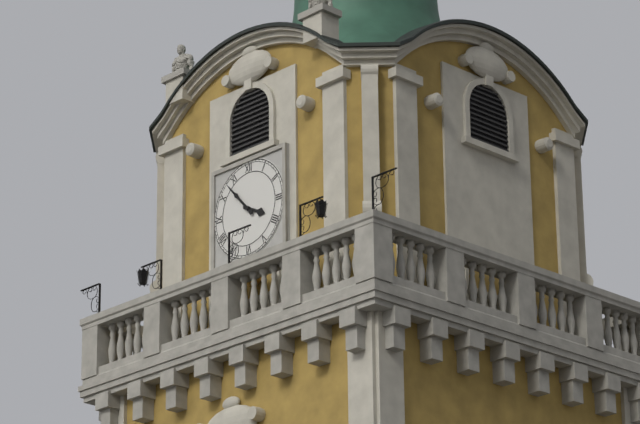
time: 3:53
